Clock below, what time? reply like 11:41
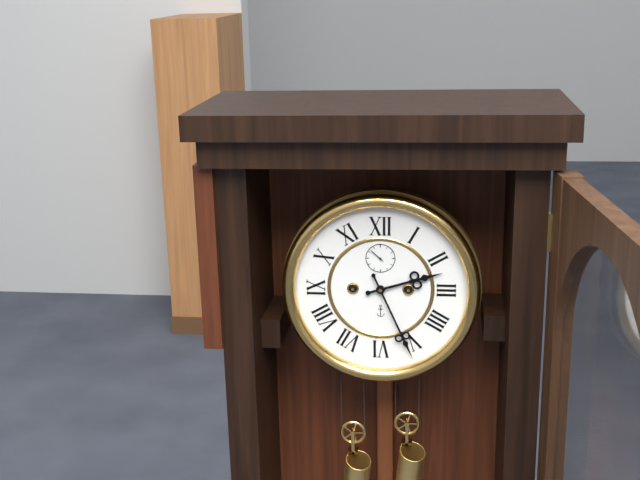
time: 2:26
